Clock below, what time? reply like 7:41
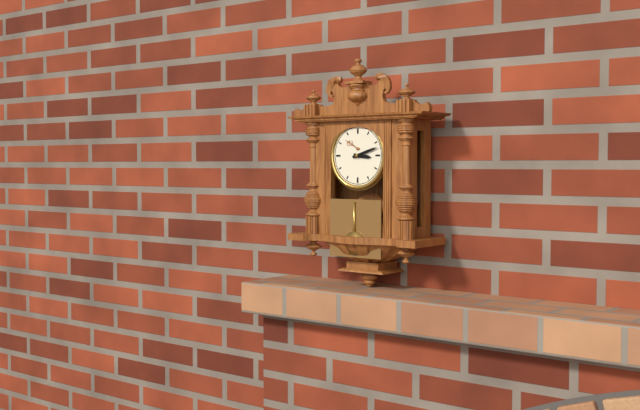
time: 3:12
